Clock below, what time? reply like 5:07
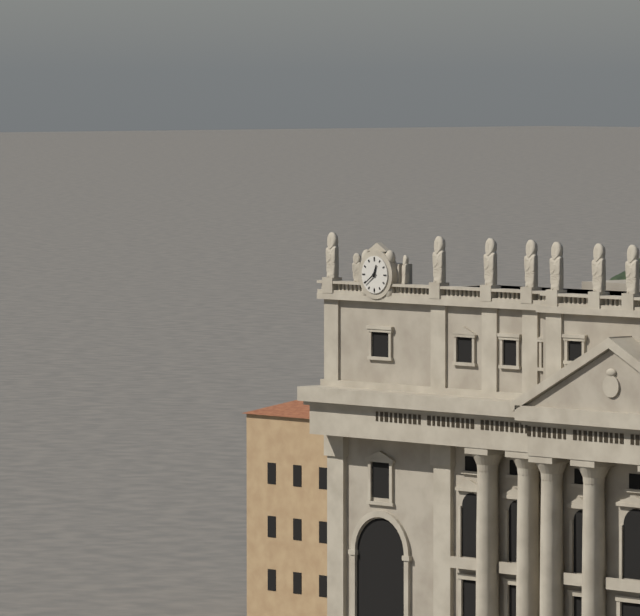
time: 12:39
